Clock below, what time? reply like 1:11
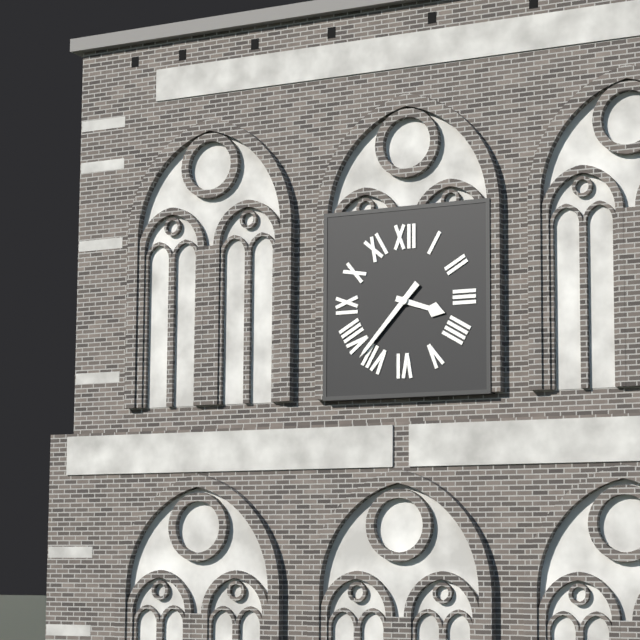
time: 3:37
